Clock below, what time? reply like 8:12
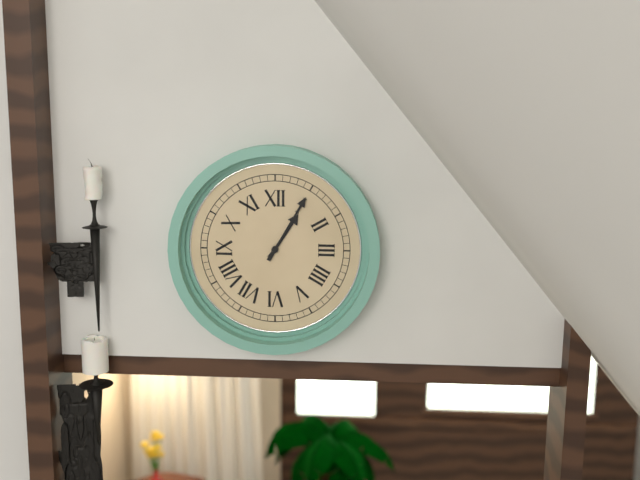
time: 1:05
